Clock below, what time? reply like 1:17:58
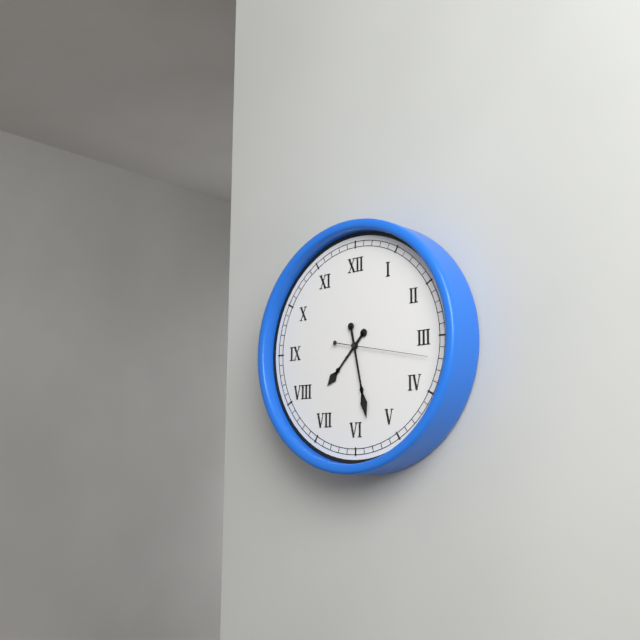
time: 7:28:17
